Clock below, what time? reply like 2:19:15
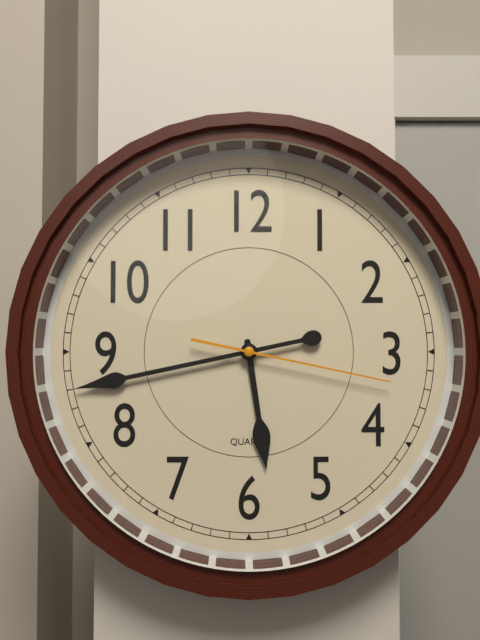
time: 5:43:17
